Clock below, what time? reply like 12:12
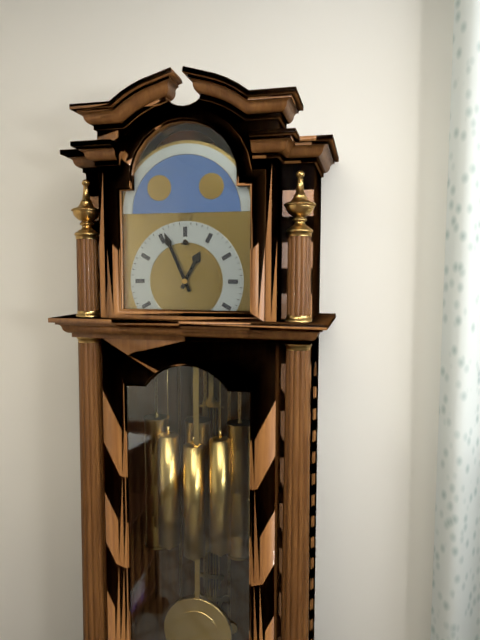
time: 12:56
